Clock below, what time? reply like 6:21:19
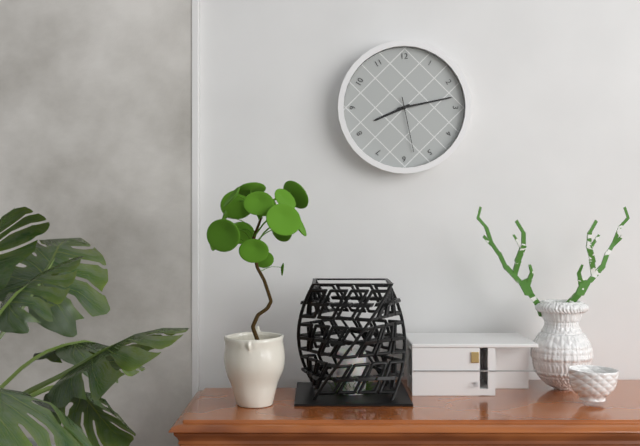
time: 8:13:28
